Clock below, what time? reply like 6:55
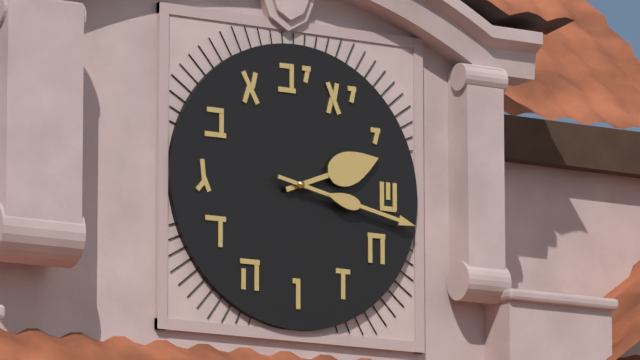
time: 2:17
